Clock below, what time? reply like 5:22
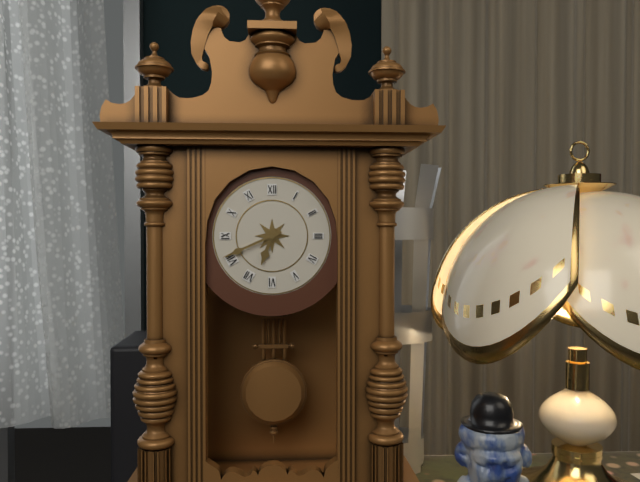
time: 6:41
